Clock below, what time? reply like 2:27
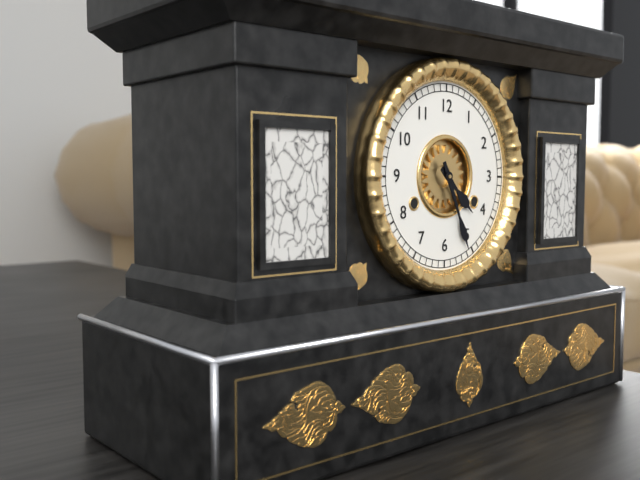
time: 4:26
